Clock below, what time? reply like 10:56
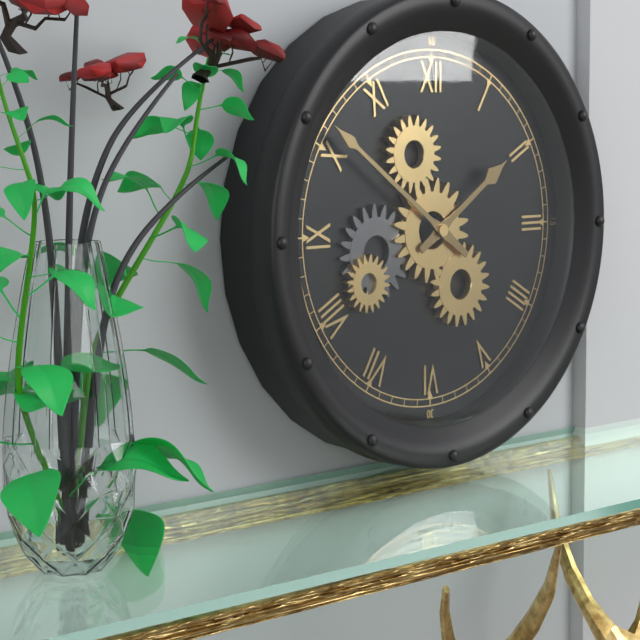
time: 1:51
